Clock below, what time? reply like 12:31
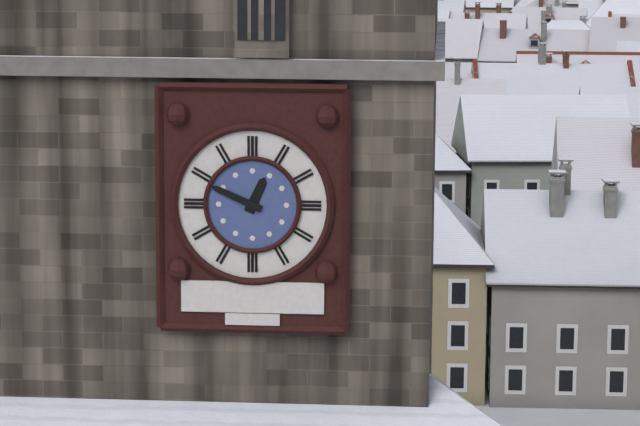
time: 12:49
